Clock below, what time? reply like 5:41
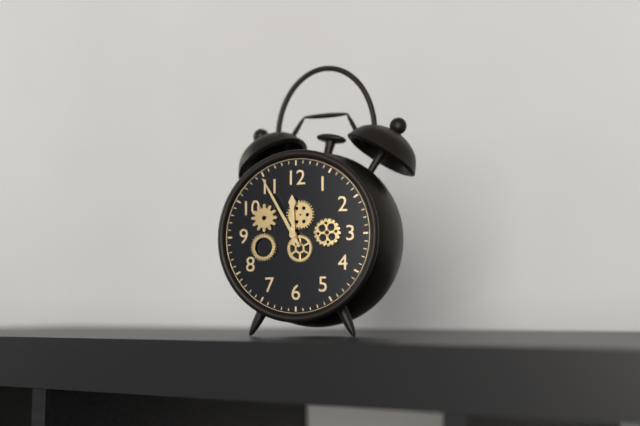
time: 11:55
